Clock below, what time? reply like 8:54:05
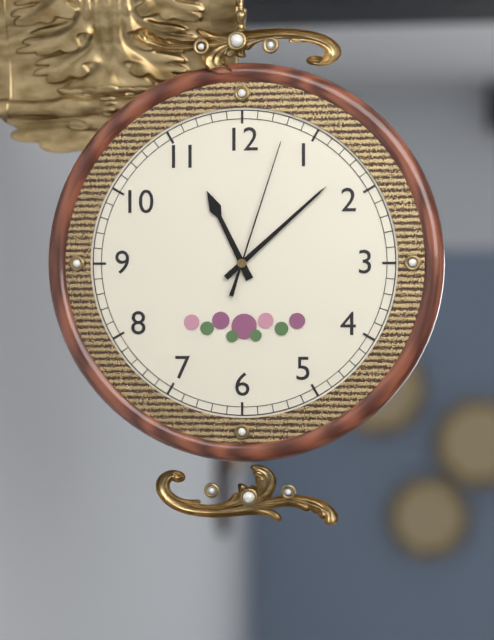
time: 11:08:03
